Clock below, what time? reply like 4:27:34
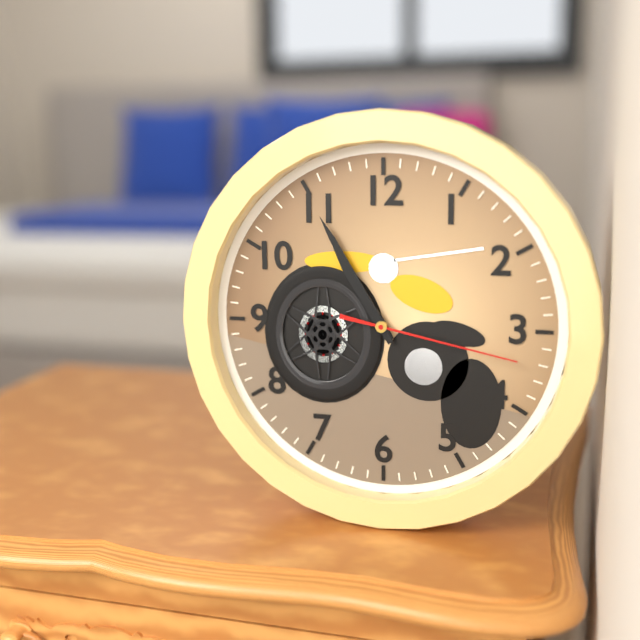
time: 10:55:17
